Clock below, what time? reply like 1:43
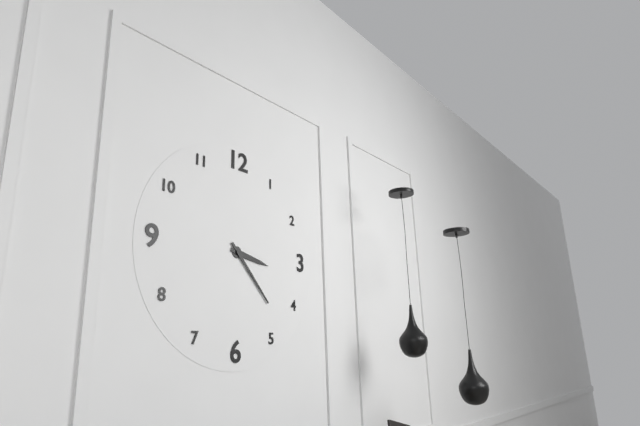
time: 3:23
